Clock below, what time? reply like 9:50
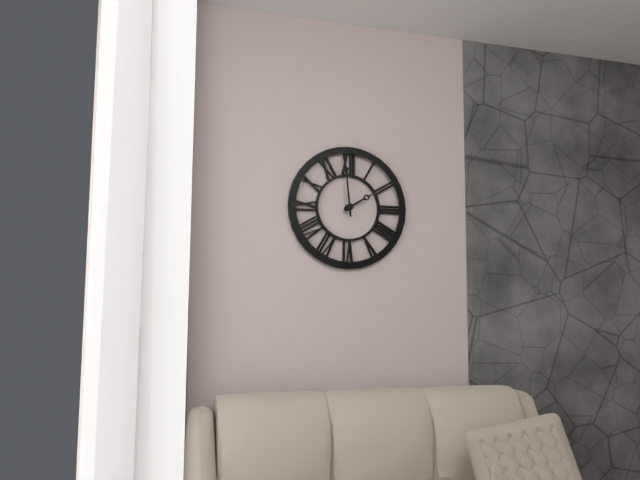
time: 1:59
